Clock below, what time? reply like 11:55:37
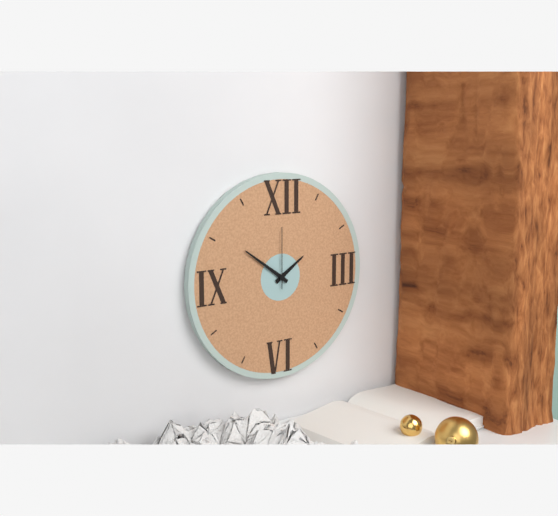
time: 1:51:00
